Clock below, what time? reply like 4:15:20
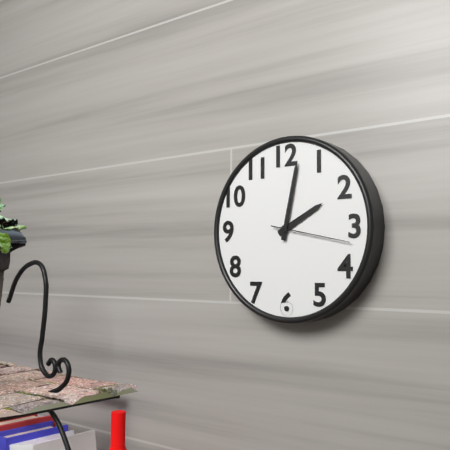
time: 2:02:17
